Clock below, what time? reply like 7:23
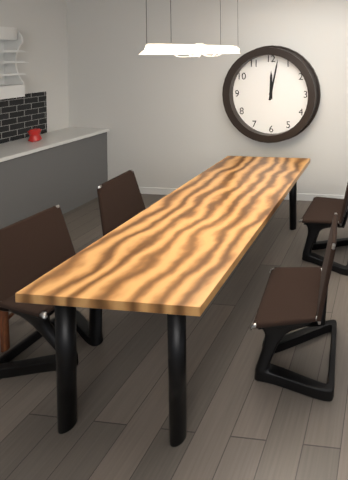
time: 12:02
